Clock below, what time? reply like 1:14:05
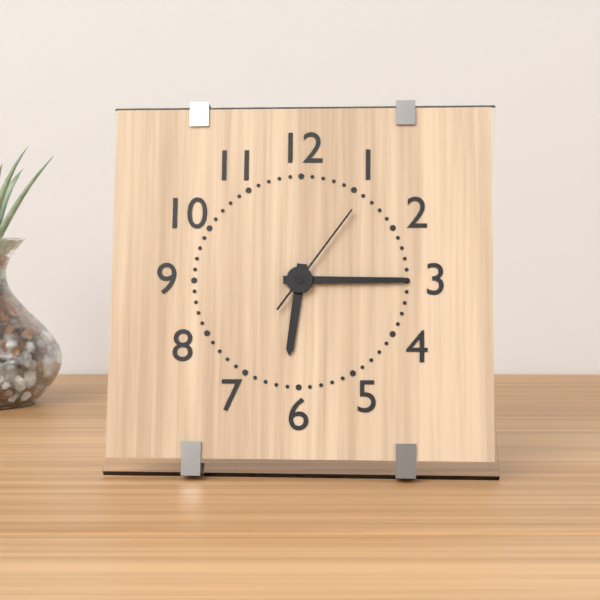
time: 6:15:06
